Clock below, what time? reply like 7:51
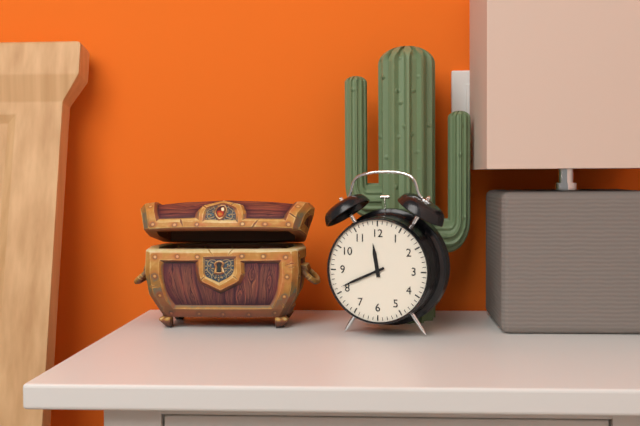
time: 11:41
